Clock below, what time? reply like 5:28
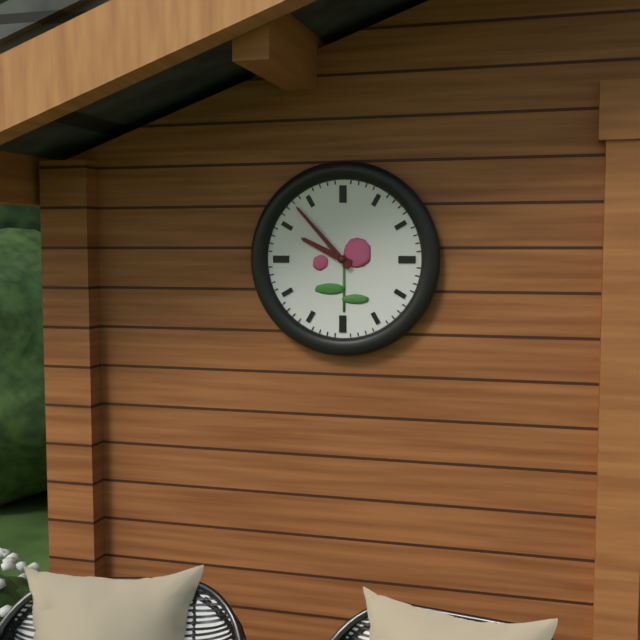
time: 9:53
